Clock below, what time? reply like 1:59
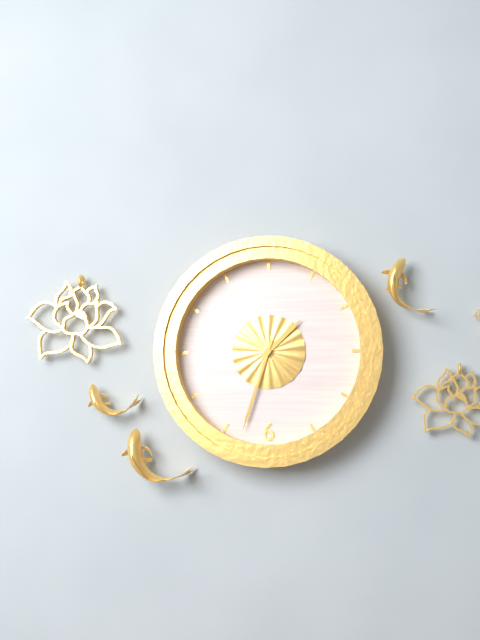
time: 1:33
